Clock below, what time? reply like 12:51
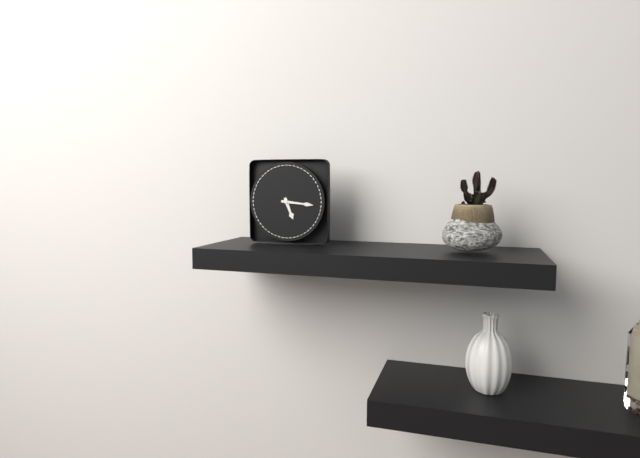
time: 5:16
